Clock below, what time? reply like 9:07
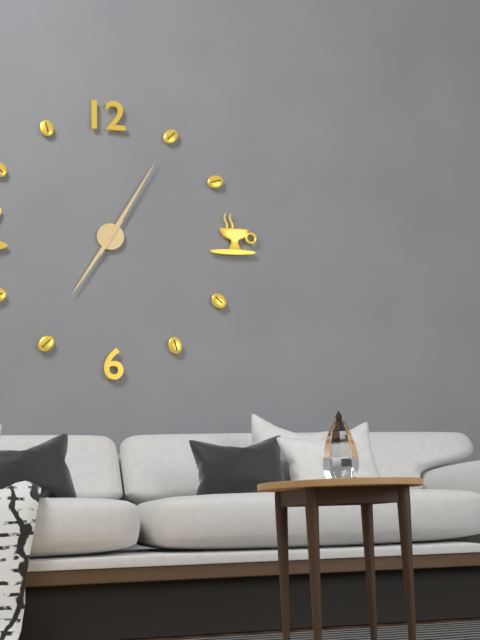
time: 7:05
